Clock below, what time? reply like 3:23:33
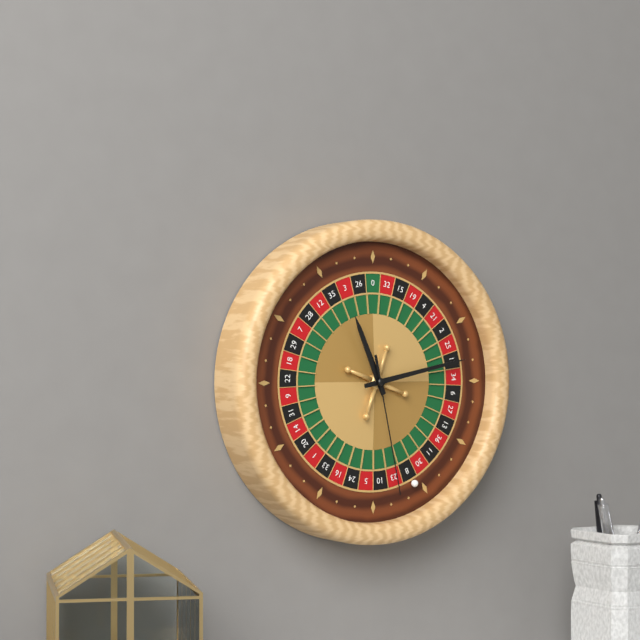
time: 11:13:28
